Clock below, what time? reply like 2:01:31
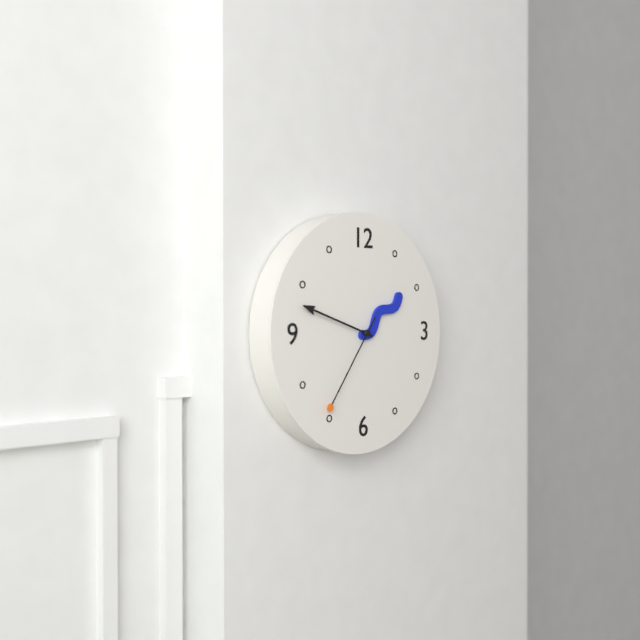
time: 1:48:36
